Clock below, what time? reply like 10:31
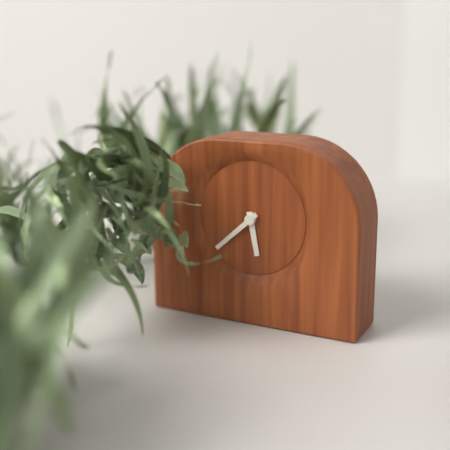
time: 5:38
